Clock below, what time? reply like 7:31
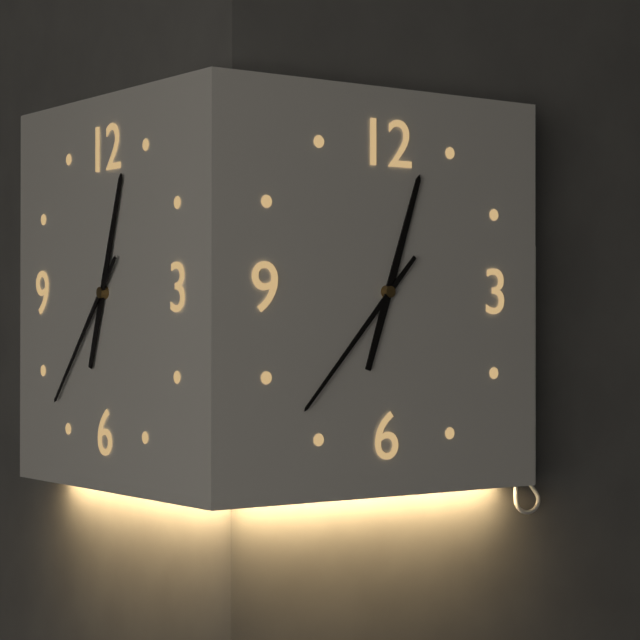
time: 12:37
